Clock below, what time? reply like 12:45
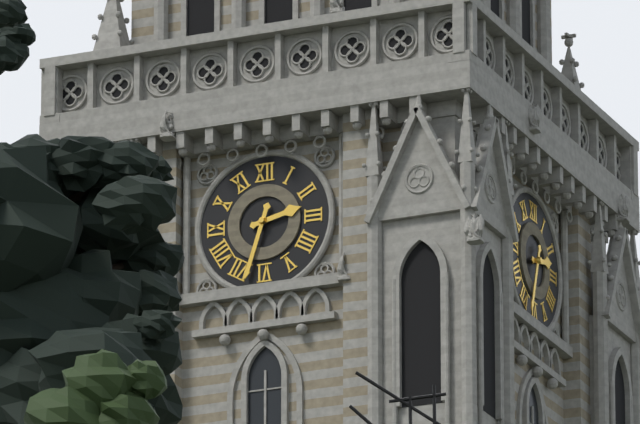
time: 2:33
